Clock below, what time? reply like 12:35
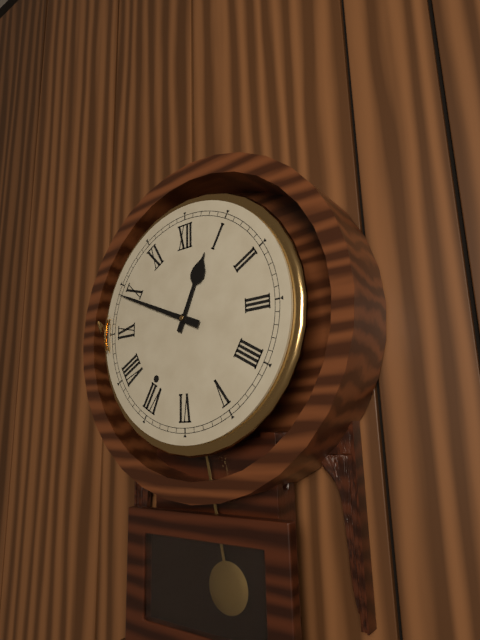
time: 12:49
